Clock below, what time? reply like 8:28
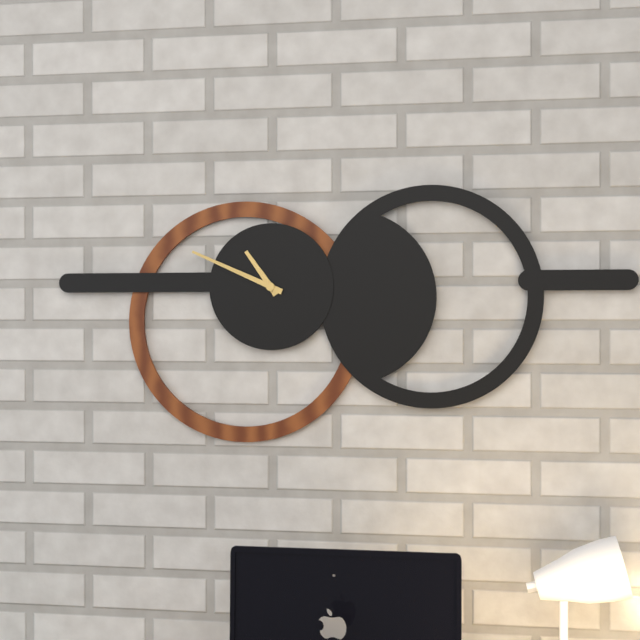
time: 10:49
